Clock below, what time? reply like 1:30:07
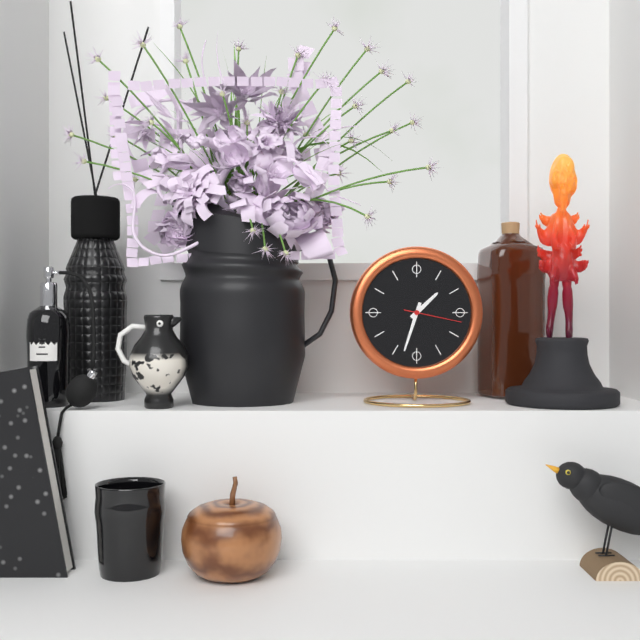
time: 1:33:17
